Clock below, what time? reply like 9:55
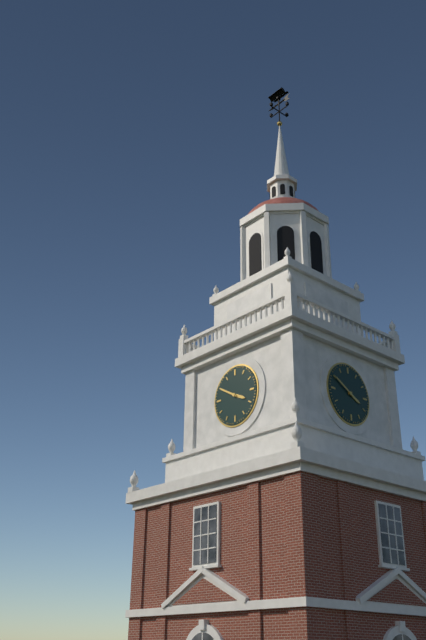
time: 3:50
